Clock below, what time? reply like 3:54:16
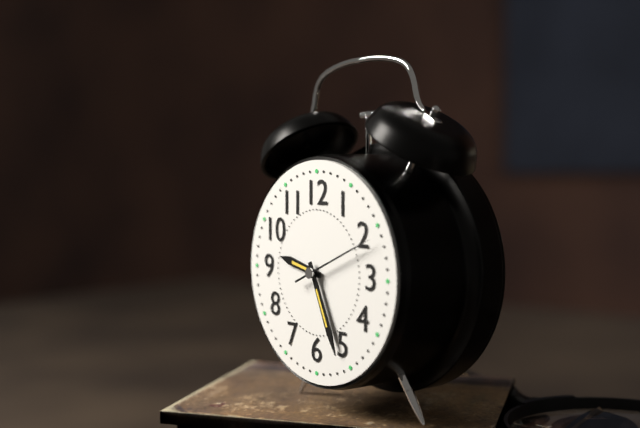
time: 9:26:11
